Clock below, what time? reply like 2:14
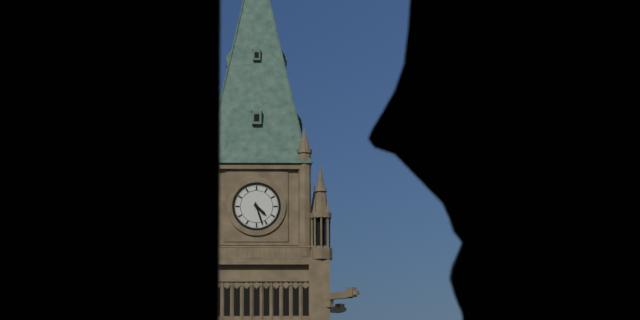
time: 4:27
